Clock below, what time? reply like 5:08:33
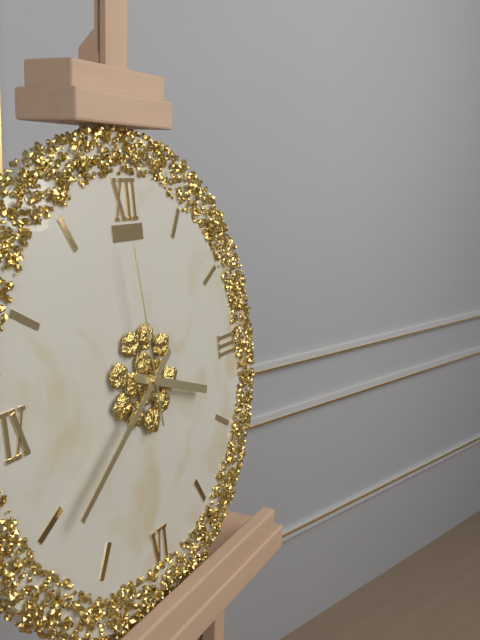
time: 3:39:59
